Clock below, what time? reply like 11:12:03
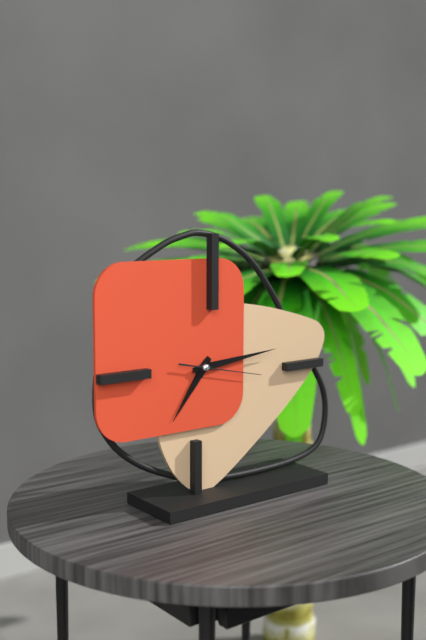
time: 7:14:17
